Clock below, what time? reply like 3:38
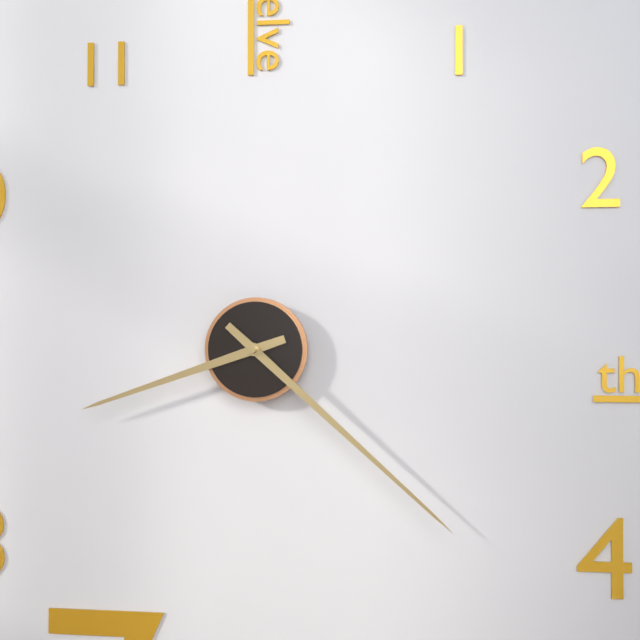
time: 8:22
